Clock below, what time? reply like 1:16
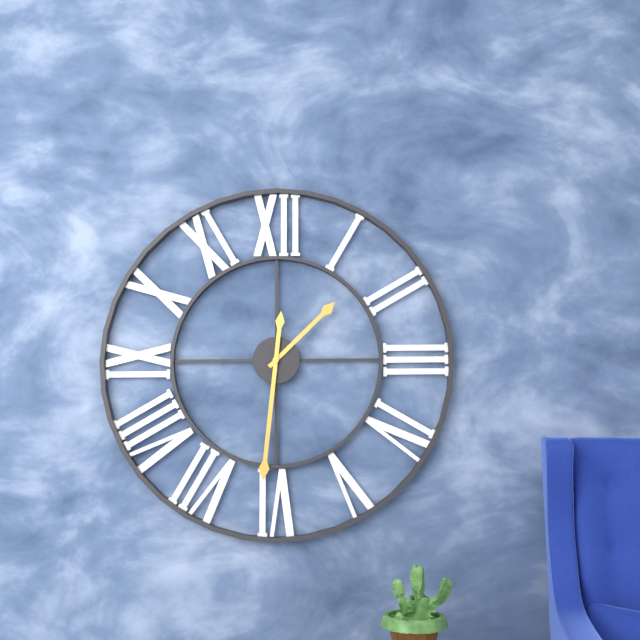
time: 1:31
